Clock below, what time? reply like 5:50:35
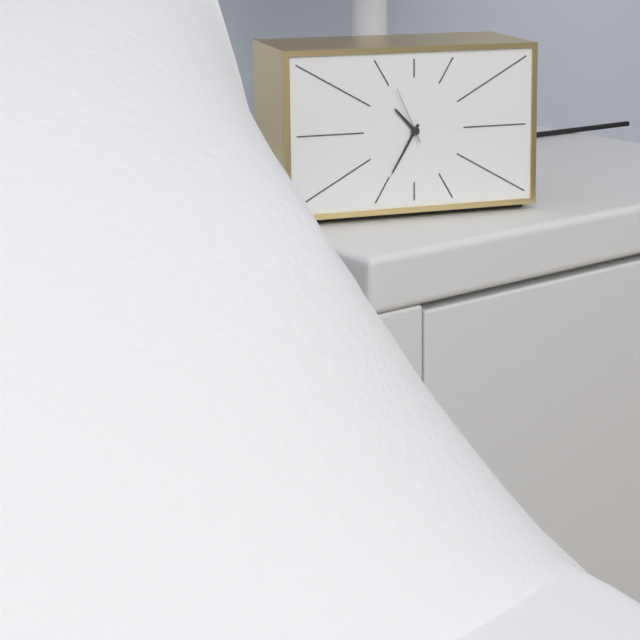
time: 10:35:56
